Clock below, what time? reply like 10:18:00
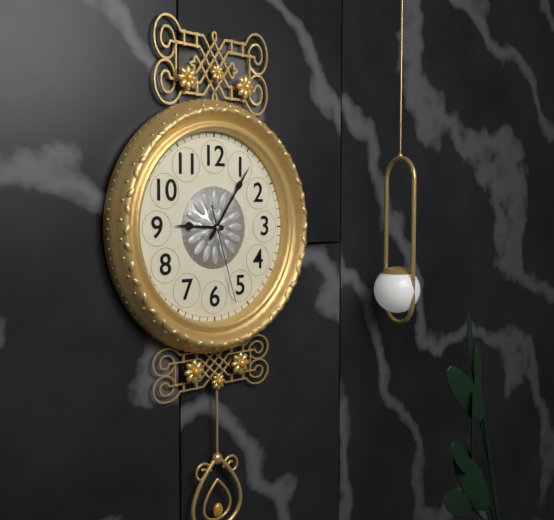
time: 9:06:27
